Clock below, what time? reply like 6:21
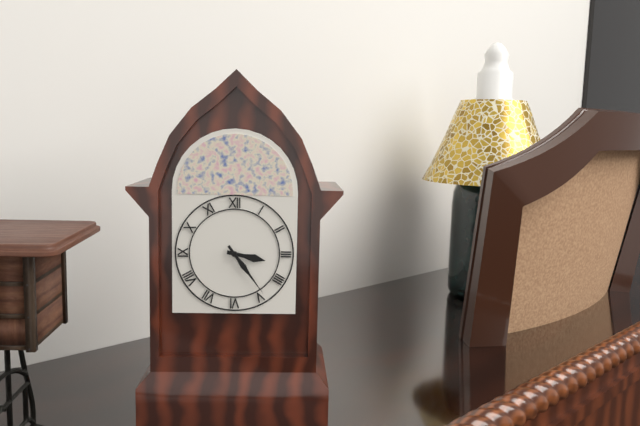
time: 3:24
